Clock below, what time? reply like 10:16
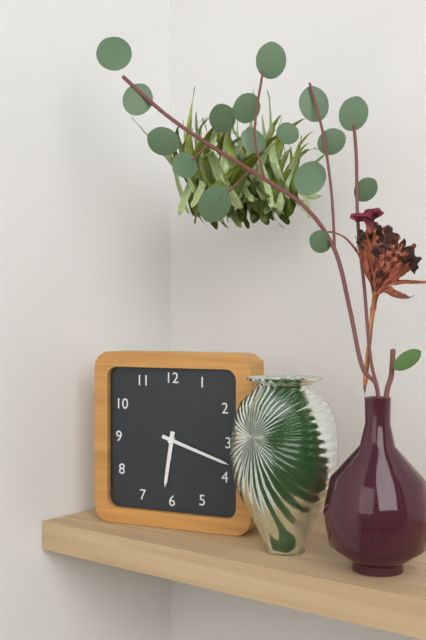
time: 6:18
